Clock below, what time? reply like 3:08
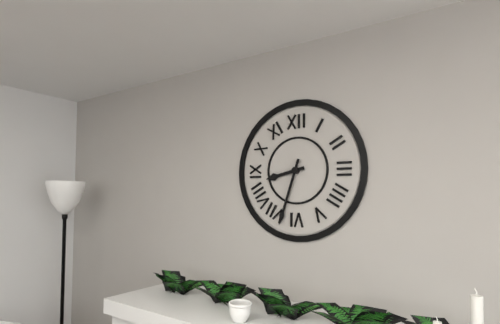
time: 8:33
